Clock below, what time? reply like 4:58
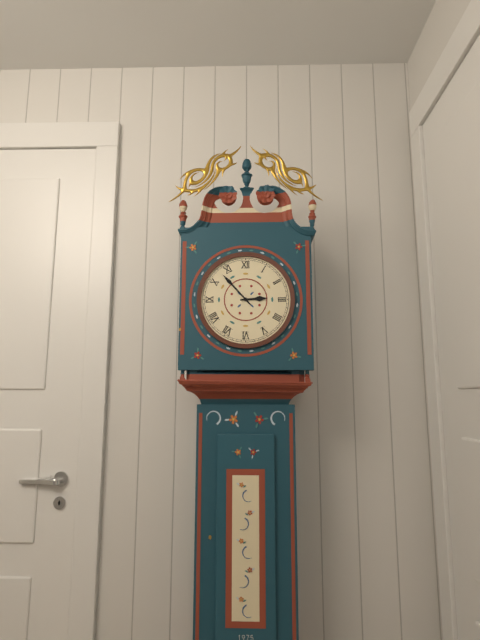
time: 2:53
